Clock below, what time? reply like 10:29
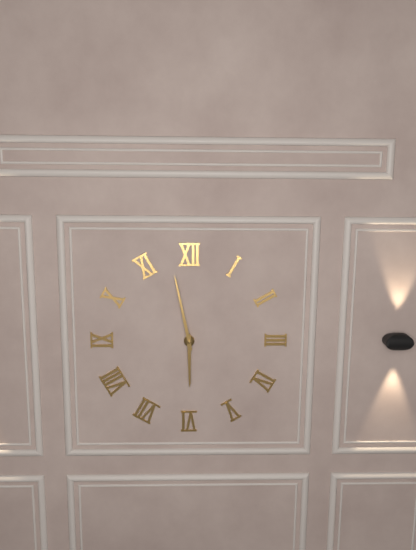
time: 5:58
